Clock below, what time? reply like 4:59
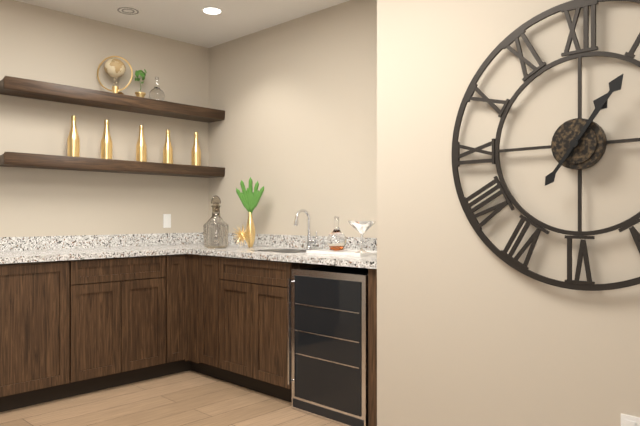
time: 1:06
